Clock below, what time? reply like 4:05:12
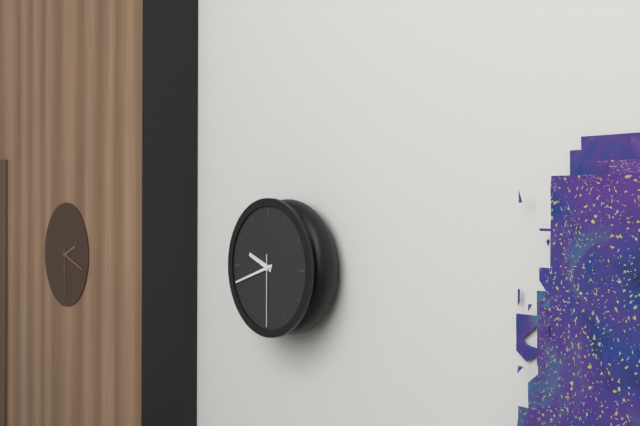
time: 9:42:30
